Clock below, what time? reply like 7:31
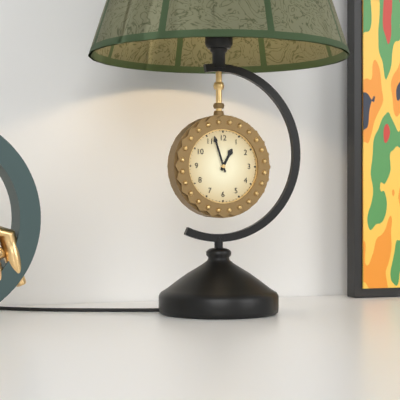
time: 12:57
